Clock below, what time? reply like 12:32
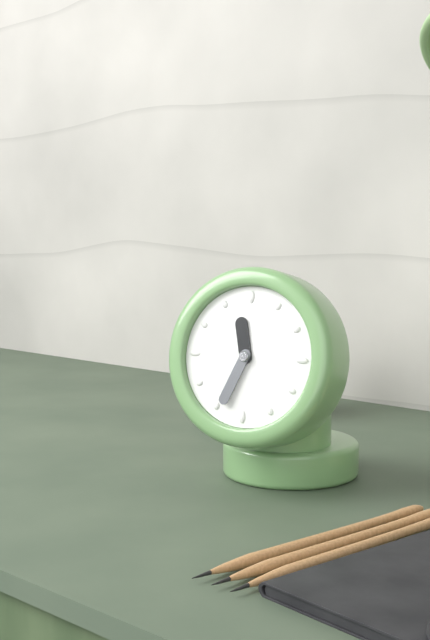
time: 11:34
